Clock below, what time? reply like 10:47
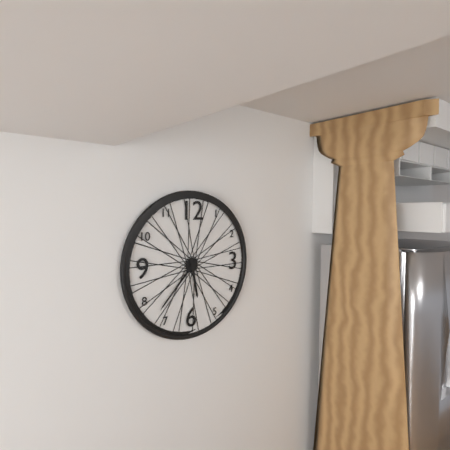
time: 5:37
